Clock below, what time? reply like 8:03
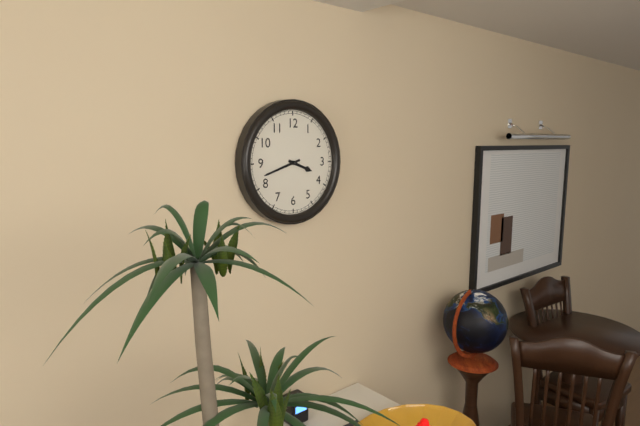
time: 3:42
